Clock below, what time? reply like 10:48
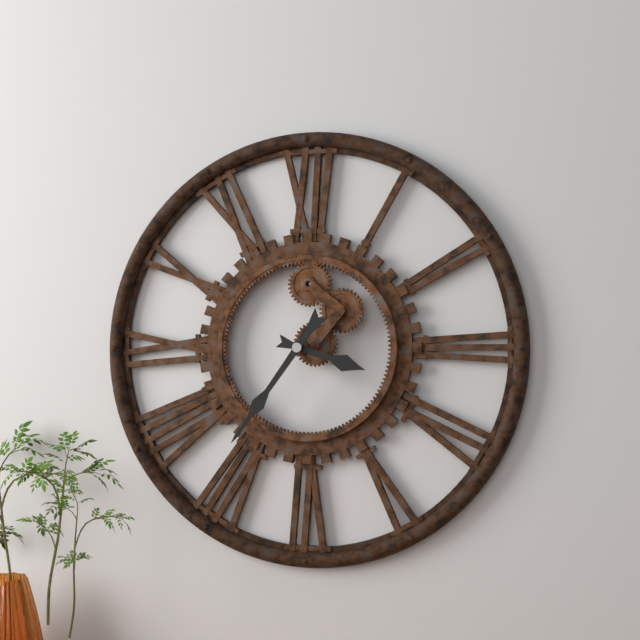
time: 3:36
